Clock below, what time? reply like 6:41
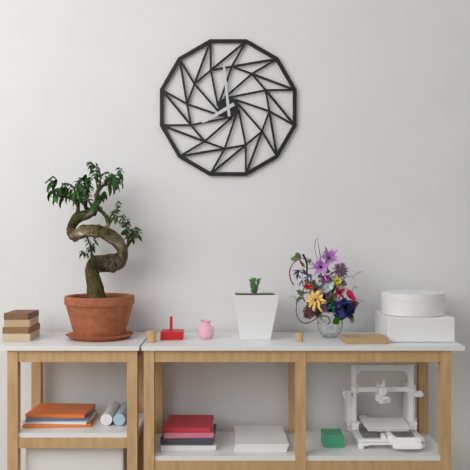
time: 7:59
